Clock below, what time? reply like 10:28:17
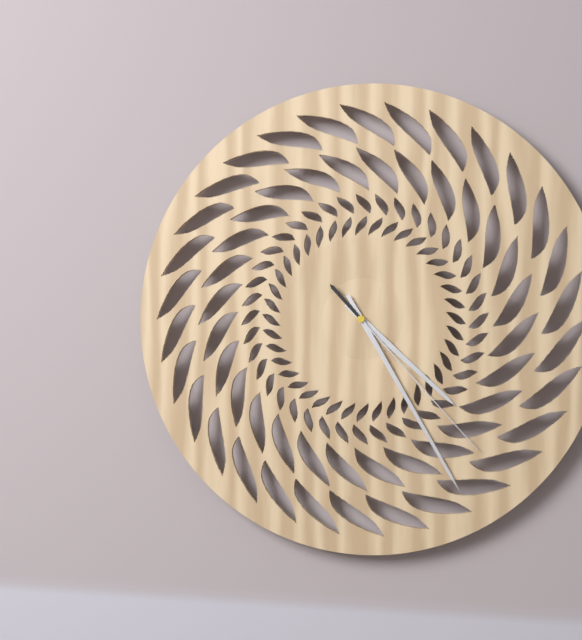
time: 4:25:23
